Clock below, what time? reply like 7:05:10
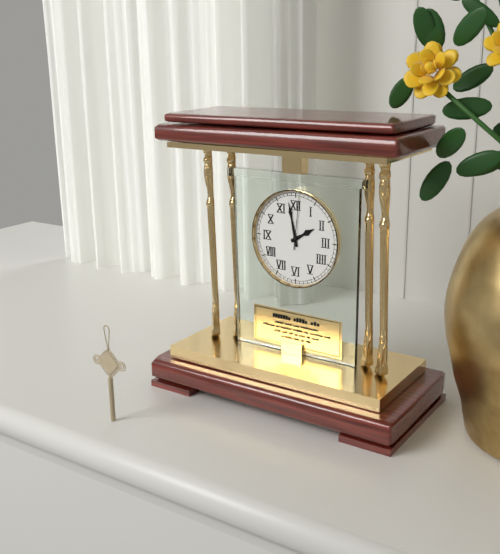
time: 1:58:01
